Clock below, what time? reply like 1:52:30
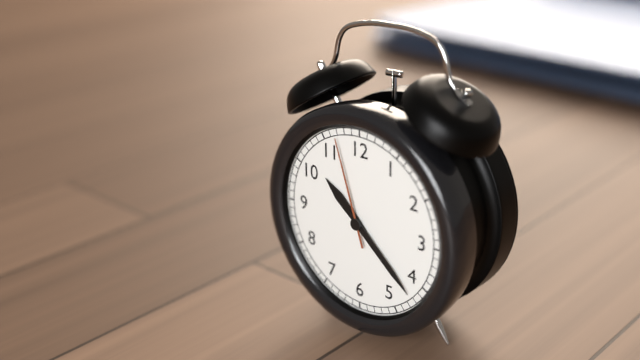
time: 10:22:57
